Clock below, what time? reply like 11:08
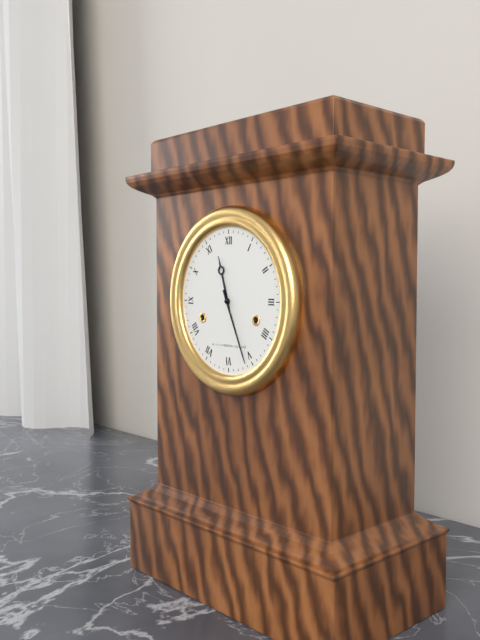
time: 11:26
